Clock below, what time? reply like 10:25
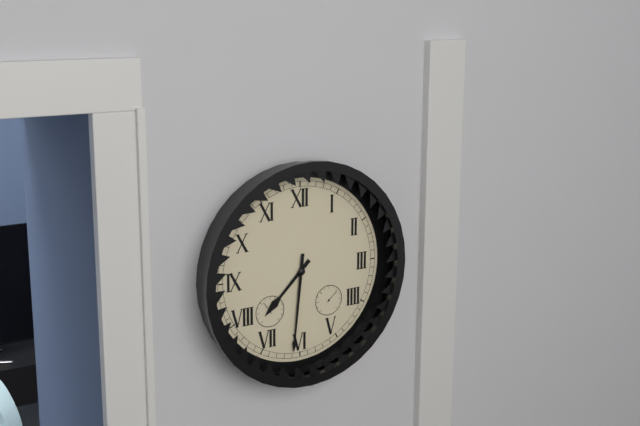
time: 7:31
